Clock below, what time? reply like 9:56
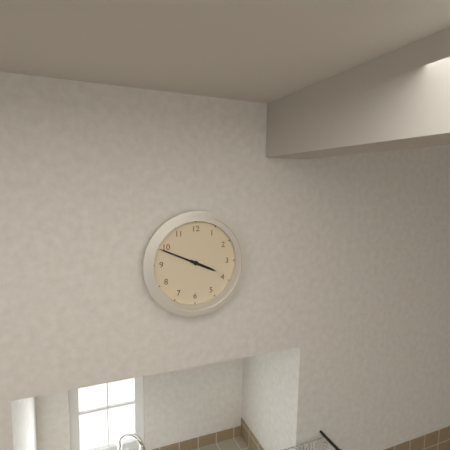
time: 3:49
